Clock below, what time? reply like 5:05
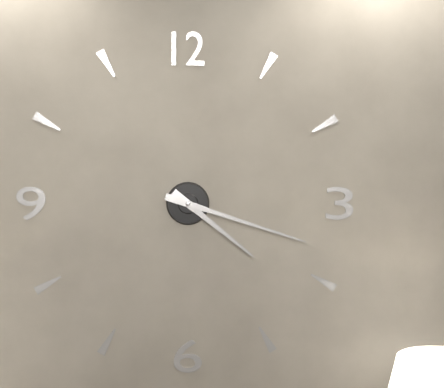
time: 4:18
